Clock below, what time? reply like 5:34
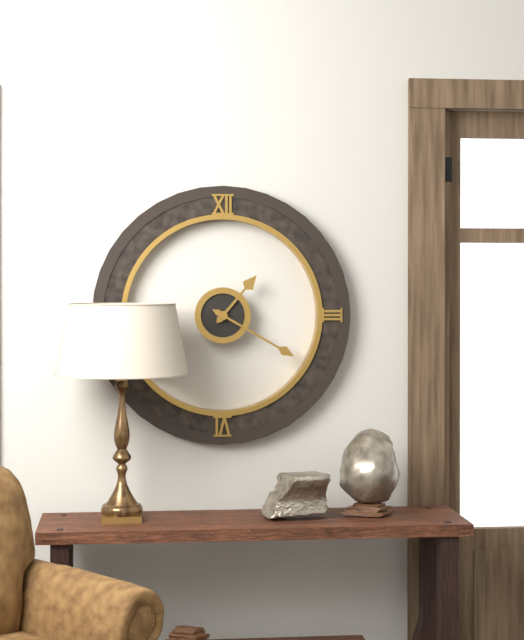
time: 1:20
